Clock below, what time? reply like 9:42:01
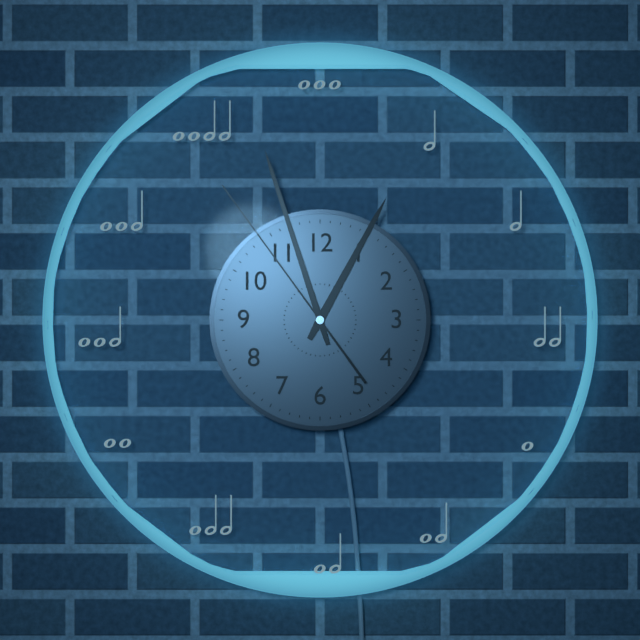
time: 12:57:54
